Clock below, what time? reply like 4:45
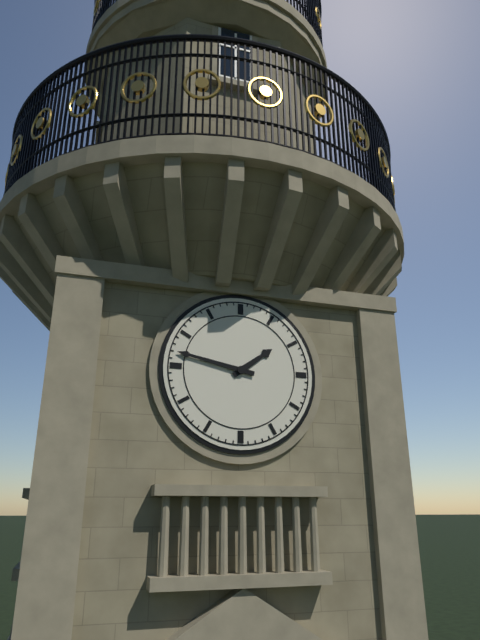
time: 1:47
